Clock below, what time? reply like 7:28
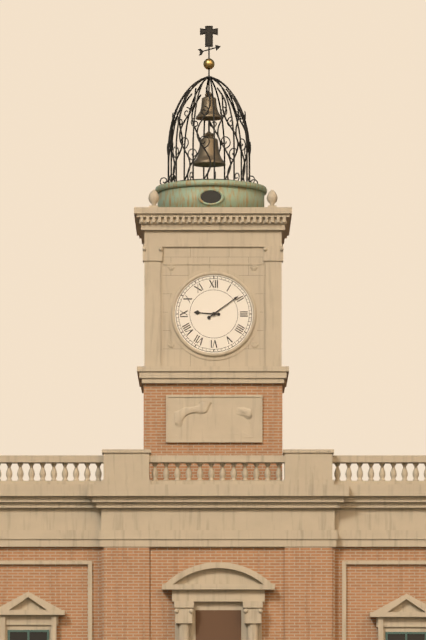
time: 9:09
